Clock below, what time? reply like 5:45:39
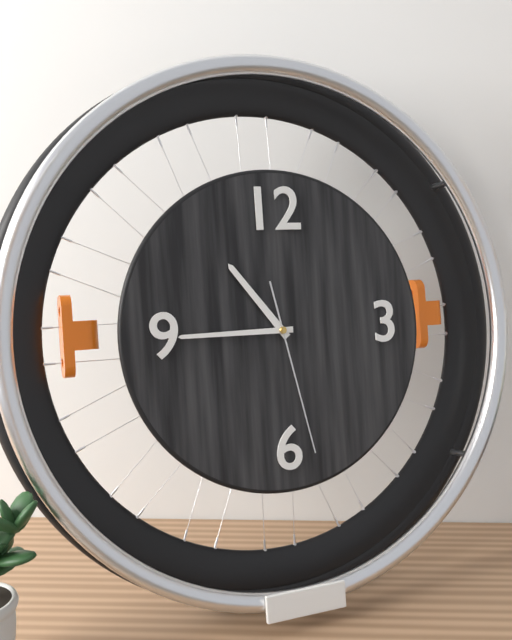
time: 10:45:28
